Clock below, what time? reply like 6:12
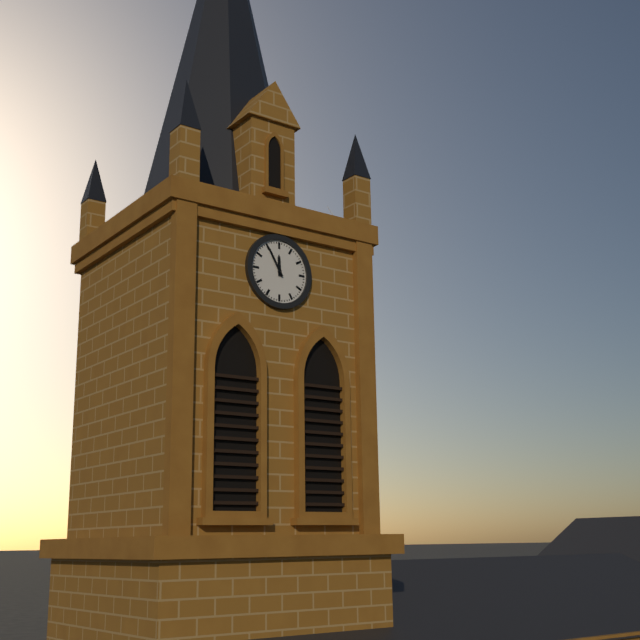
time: 11:55
